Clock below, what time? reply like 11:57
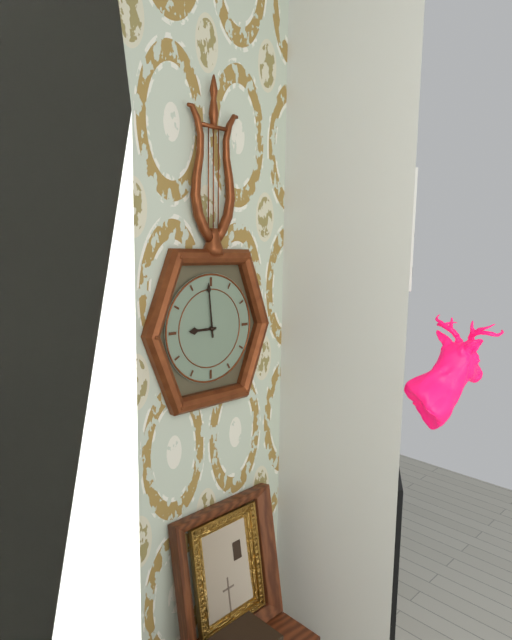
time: 8:59
